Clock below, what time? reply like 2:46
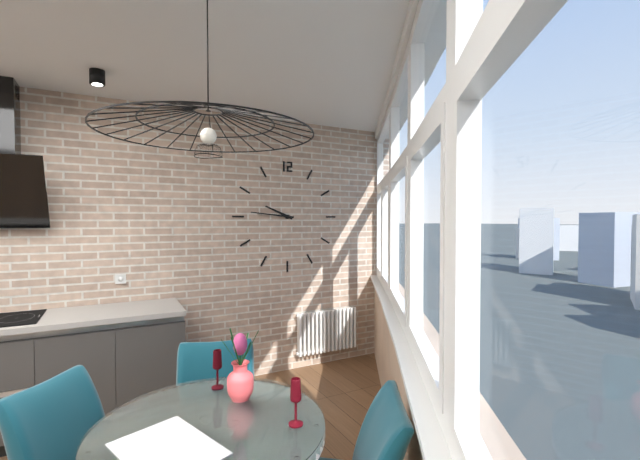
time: 9:46
